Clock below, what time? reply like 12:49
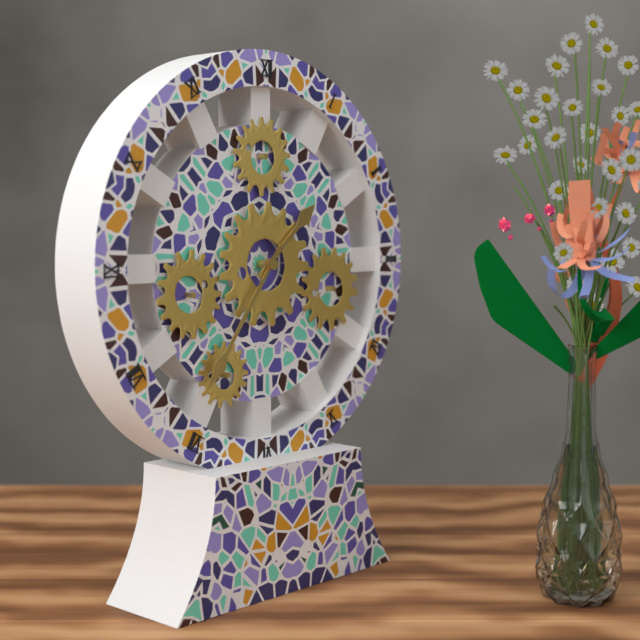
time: 1:36
